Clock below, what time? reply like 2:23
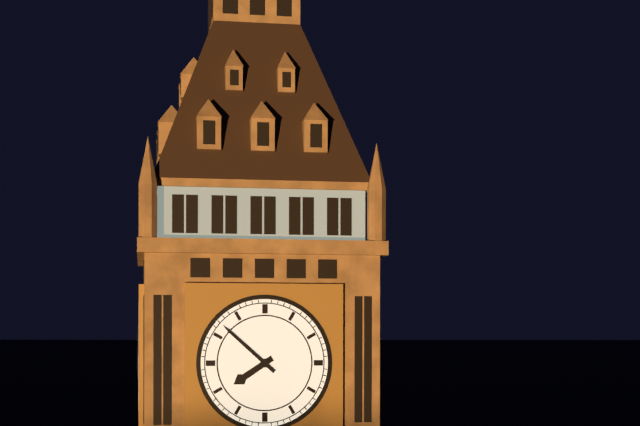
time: 7:52
